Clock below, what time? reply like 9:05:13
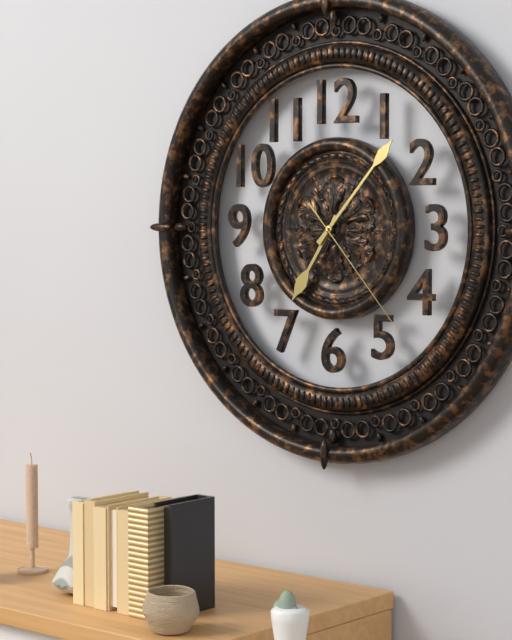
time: 7:07:23
